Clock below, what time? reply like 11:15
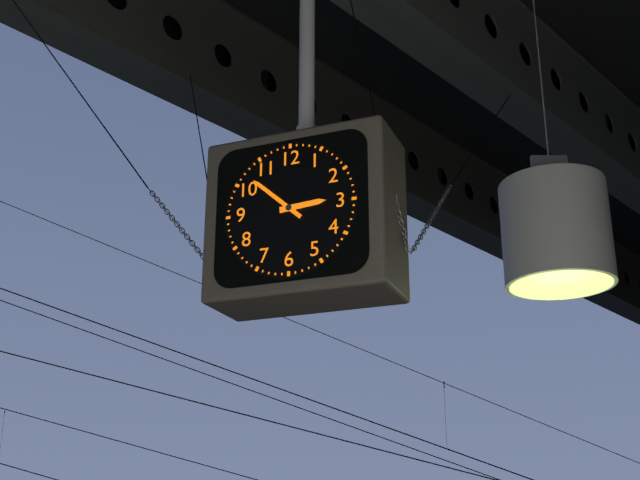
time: 2:52
